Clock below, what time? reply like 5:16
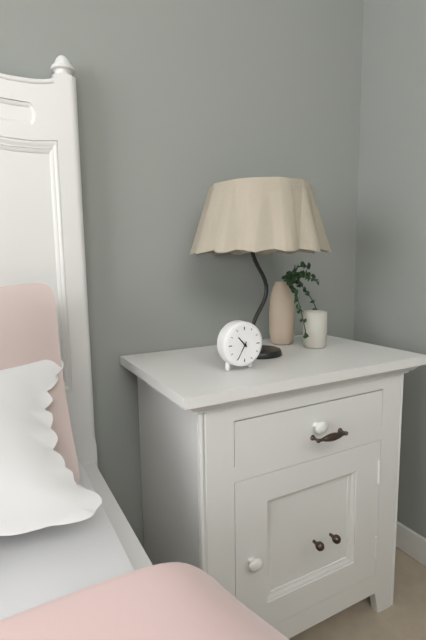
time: 10:35
